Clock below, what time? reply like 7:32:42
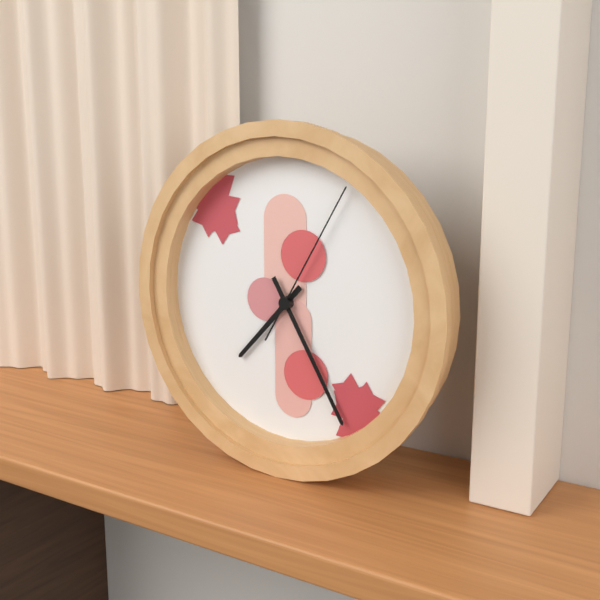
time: 7:25:05
